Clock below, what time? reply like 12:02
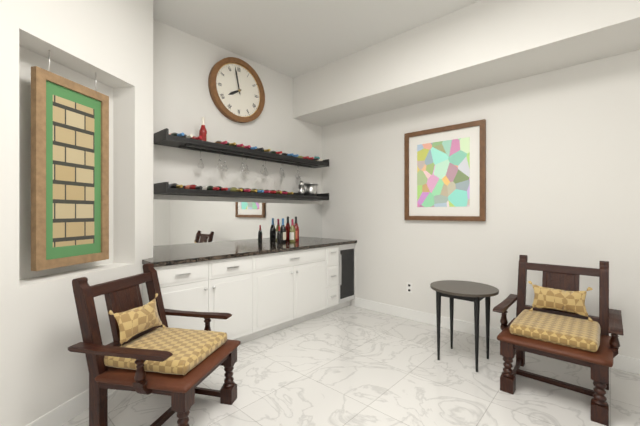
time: 7:58
